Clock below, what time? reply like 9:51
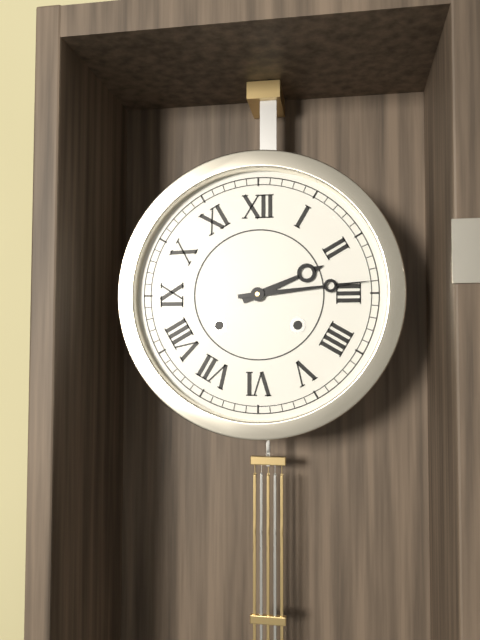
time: 2:14
